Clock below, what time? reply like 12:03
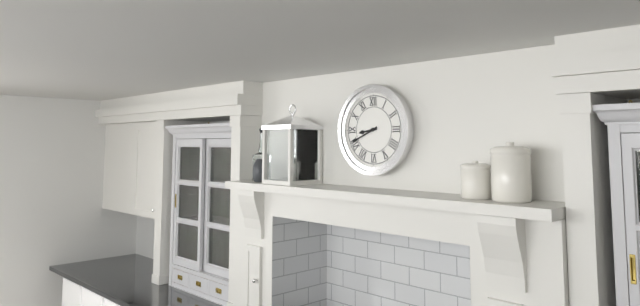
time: 8:41
